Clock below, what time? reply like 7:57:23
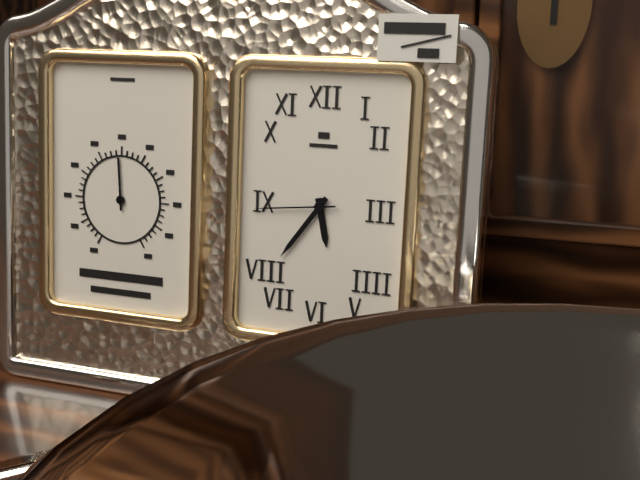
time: 5:36:44
